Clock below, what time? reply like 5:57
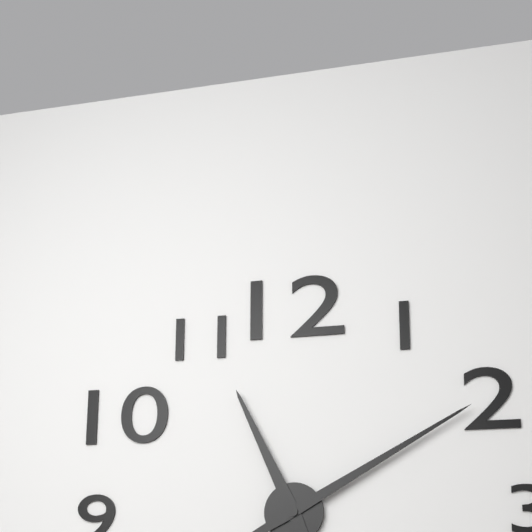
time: 11:10
